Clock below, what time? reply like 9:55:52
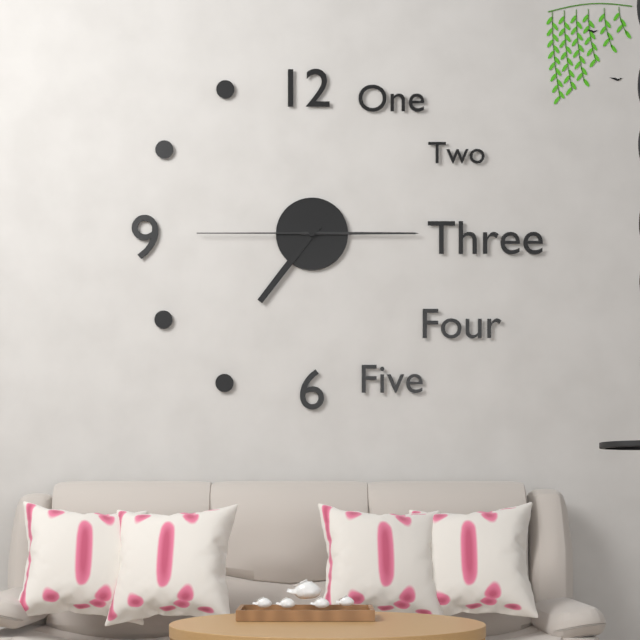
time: 7:15:45
